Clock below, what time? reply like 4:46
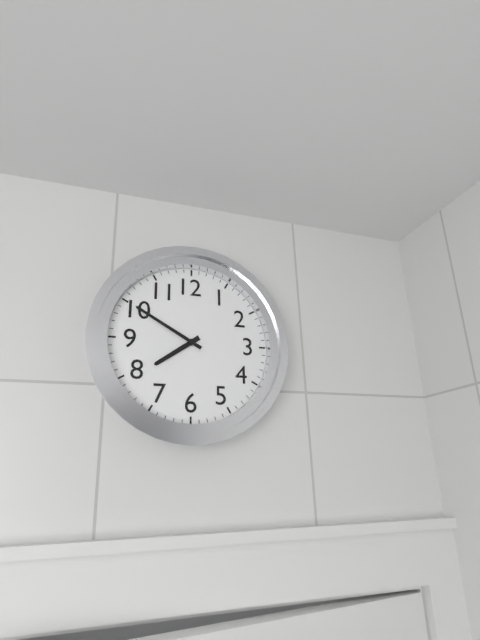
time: 7:50
